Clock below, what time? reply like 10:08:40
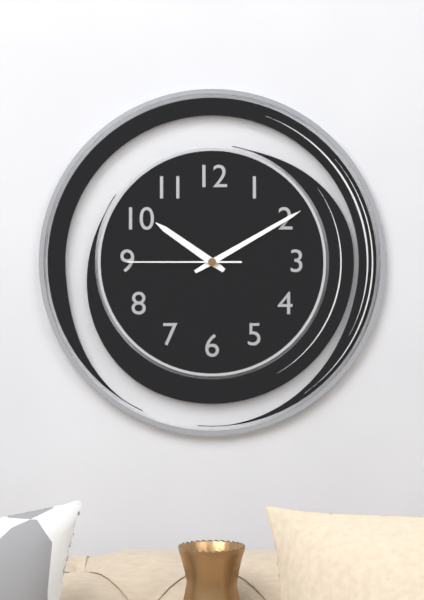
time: 10:10:45
